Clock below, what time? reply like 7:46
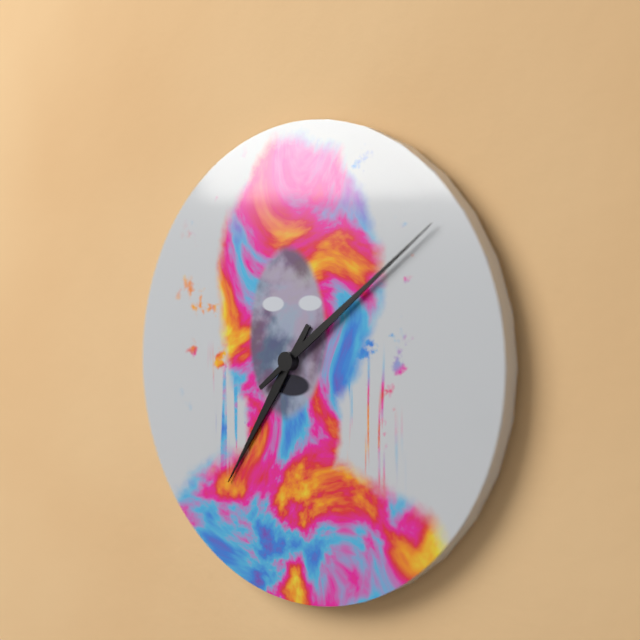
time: 7:09
